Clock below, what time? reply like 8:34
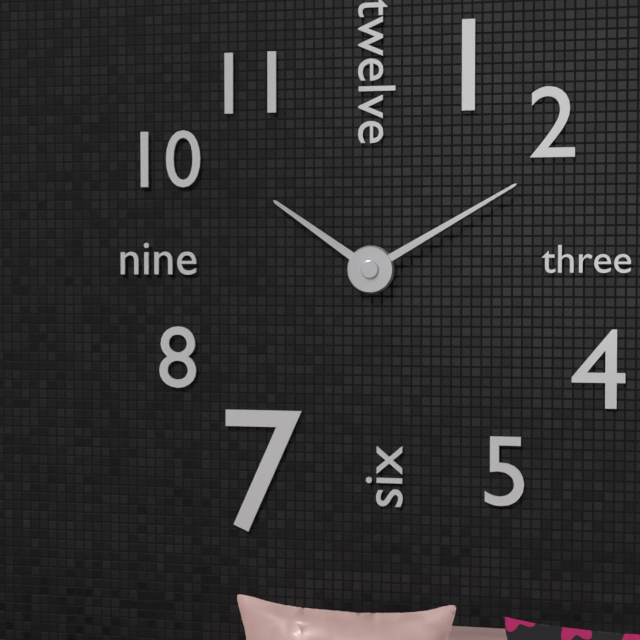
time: 10:10
